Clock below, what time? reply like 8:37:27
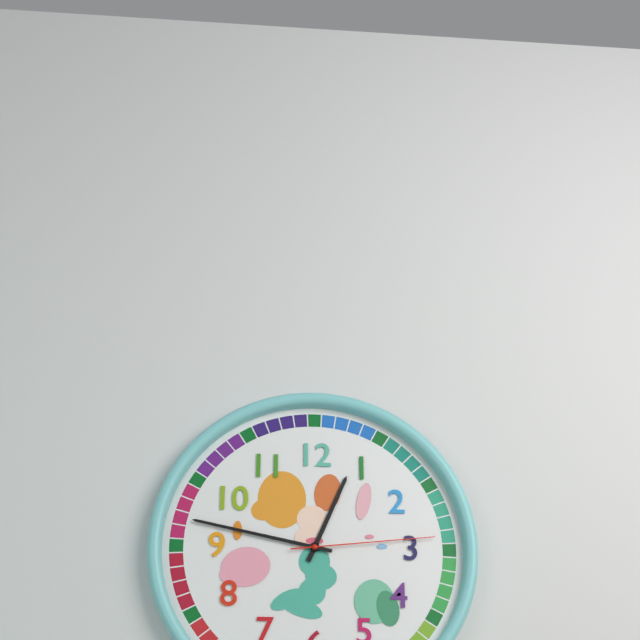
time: 12:47:14
